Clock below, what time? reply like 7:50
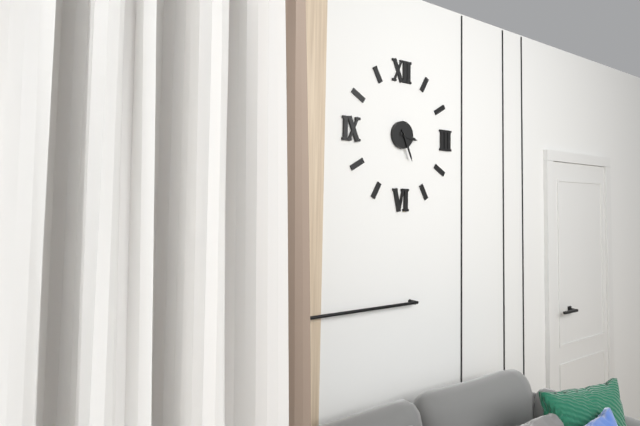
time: 3:26
